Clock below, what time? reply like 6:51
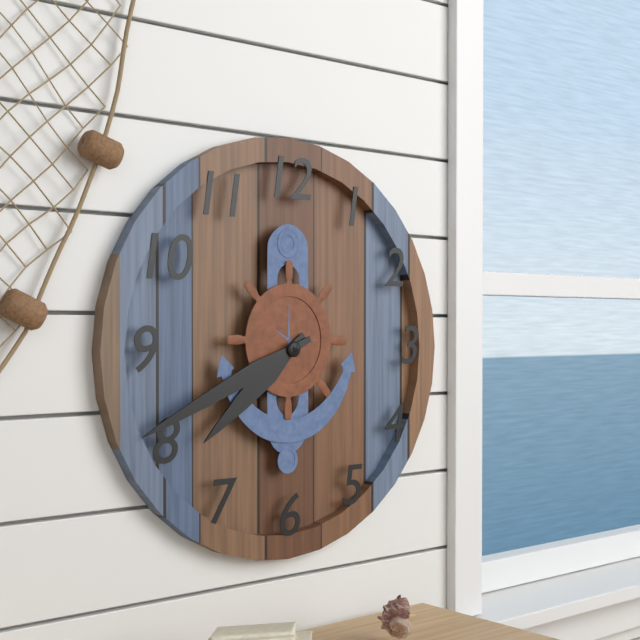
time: 7:41
